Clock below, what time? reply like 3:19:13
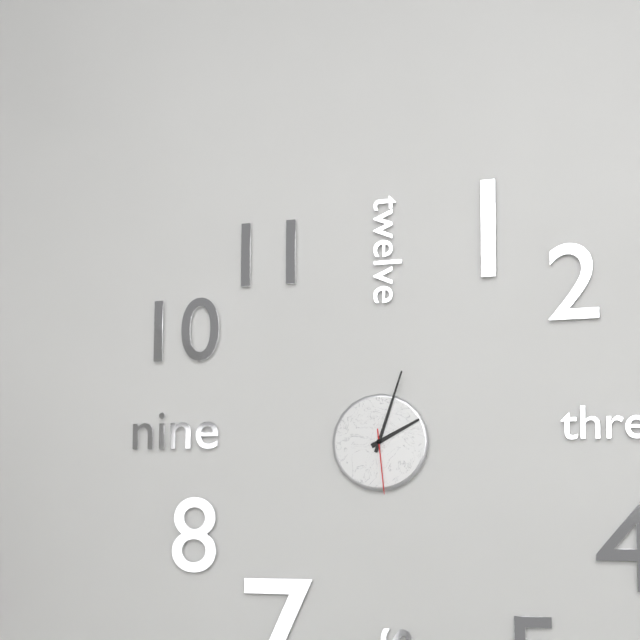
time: 2:03:29
